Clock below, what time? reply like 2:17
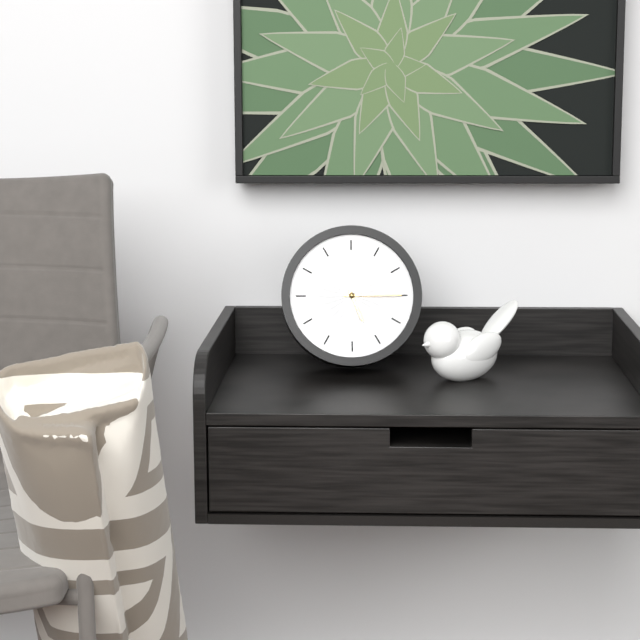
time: 5:15
